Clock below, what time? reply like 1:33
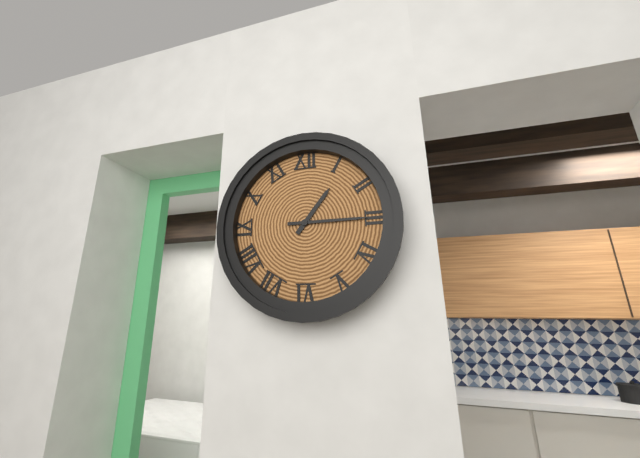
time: 1:15
